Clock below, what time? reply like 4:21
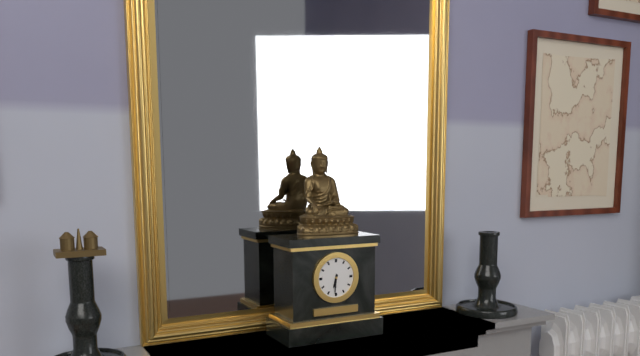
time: 6:31
